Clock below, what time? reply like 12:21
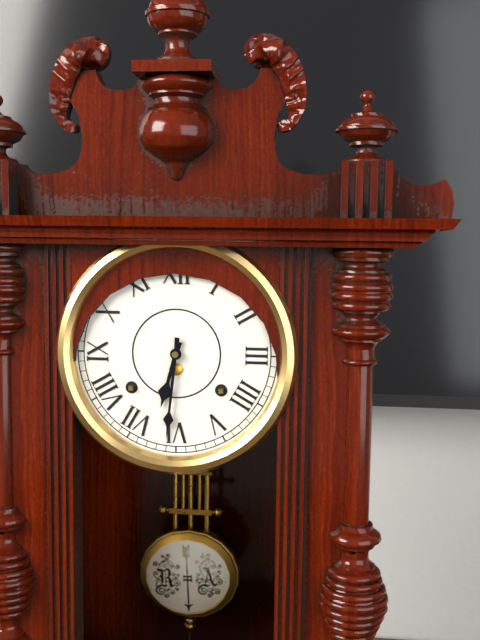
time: 6:31
